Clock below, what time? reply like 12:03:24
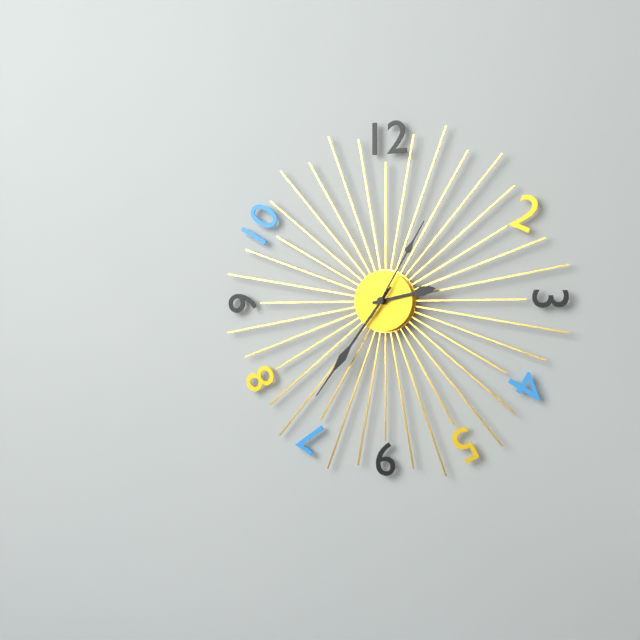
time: 2:36:05
